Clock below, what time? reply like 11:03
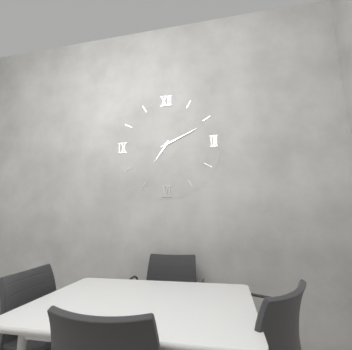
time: 7:11
